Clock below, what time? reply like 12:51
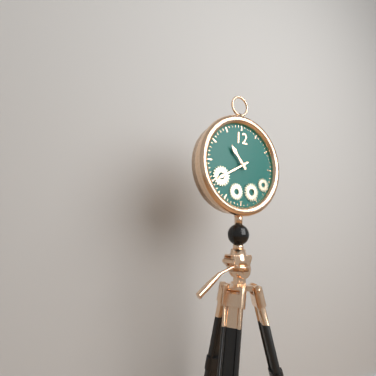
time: 10:40
